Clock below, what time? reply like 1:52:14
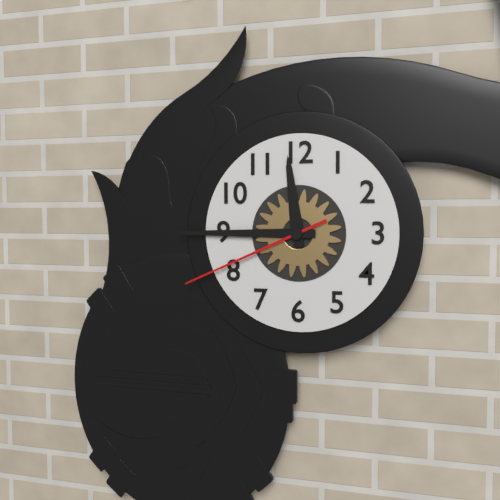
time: 11:45:41
